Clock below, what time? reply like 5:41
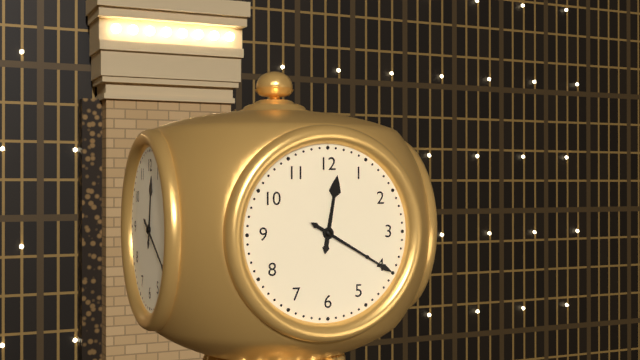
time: 12:20
